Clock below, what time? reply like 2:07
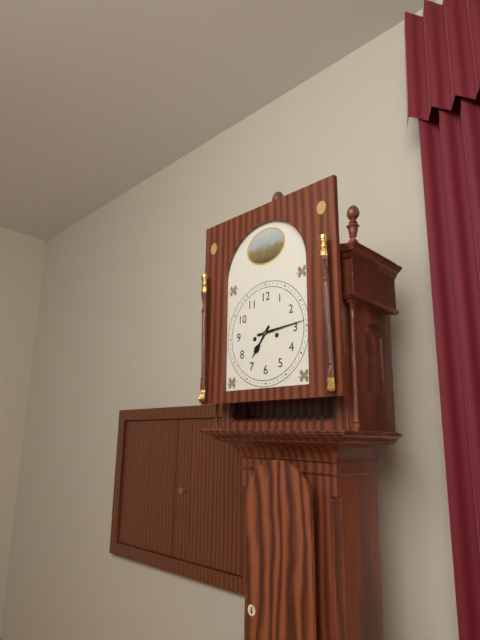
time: 7:14
